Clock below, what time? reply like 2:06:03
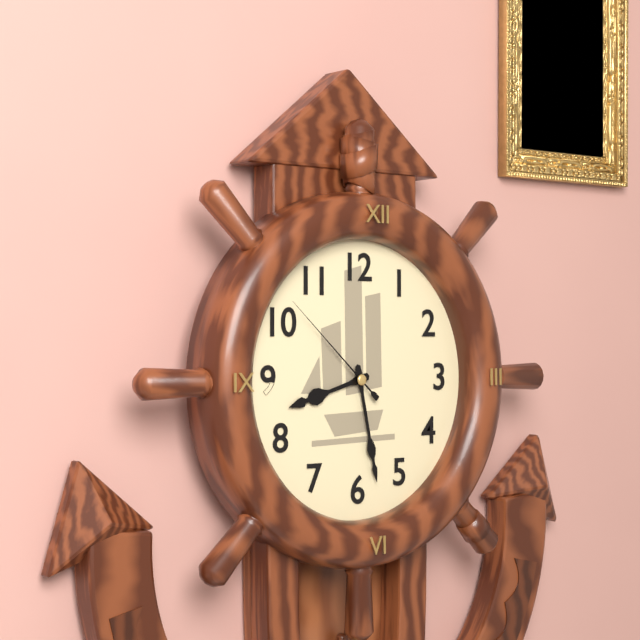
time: 8:28:52
